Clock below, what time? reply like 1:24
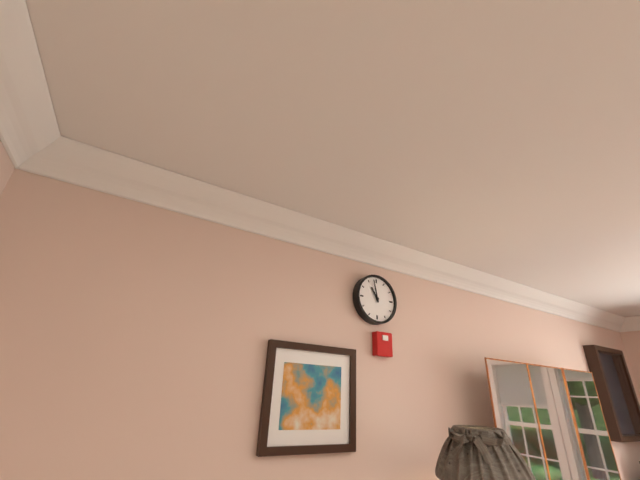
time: 10:58
